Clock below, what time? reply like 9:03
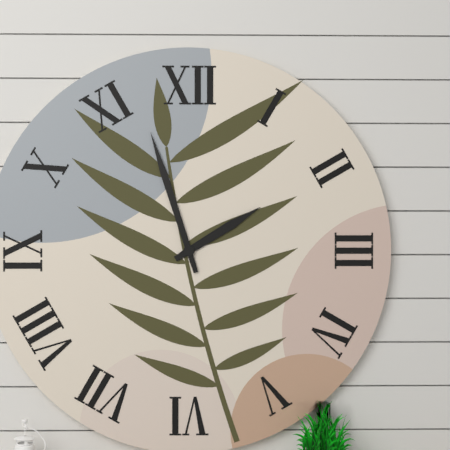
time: 1:57
